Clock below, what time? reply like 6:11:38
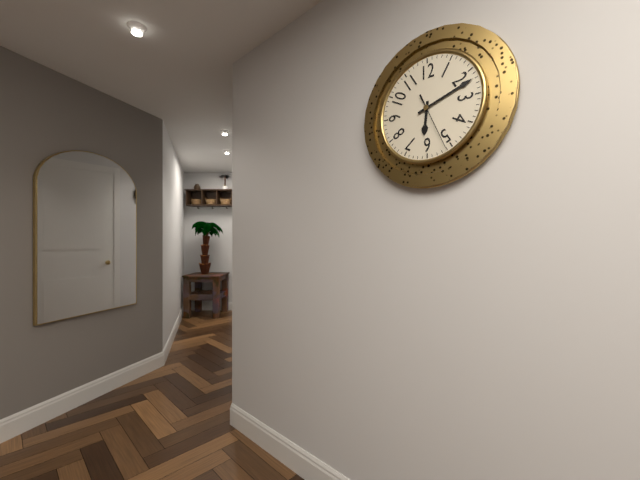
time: 6:12:26
